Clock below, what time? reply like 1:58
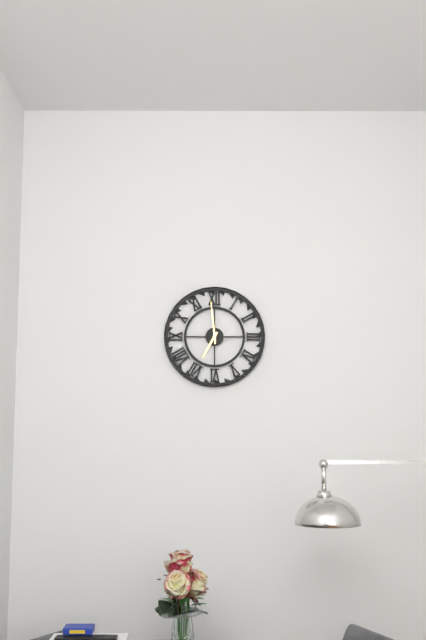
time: 6:59
